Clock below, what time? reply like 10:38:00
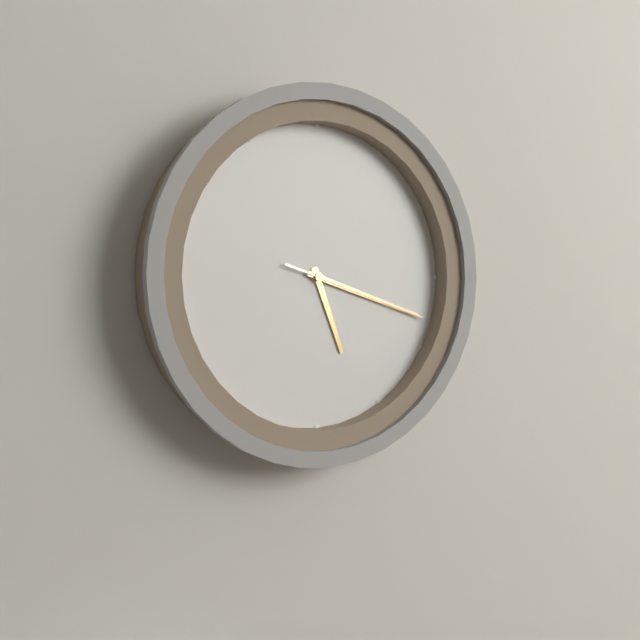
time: 5:18:18
